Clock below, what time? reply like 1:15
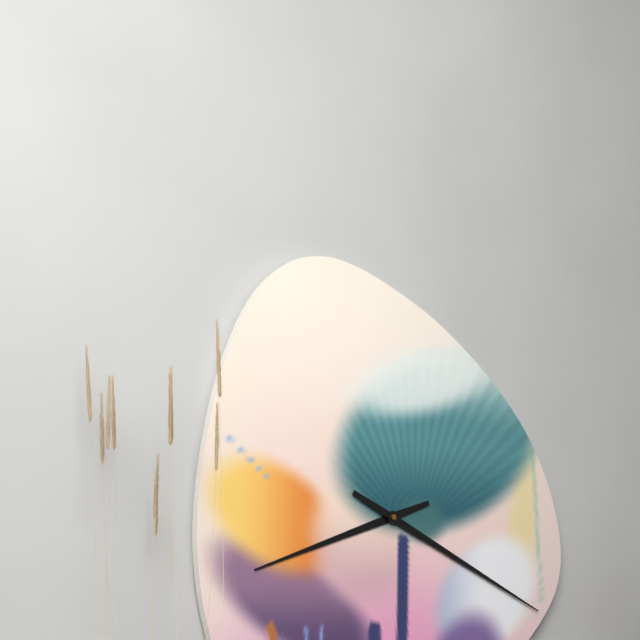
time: 8:19
